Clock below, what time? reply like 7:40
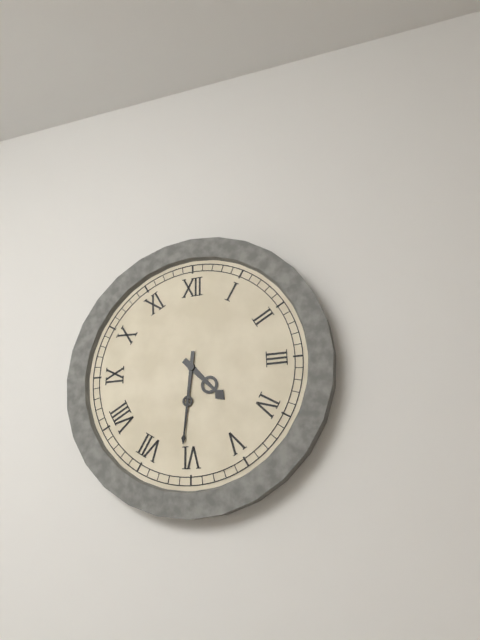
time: 4:31
